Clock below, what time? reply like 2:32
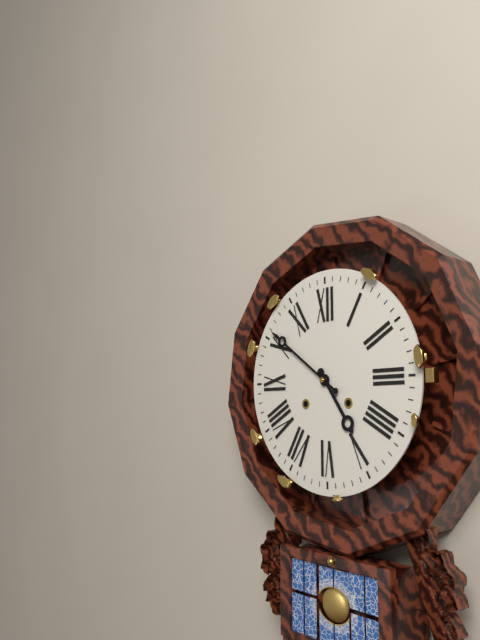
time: 4:51
